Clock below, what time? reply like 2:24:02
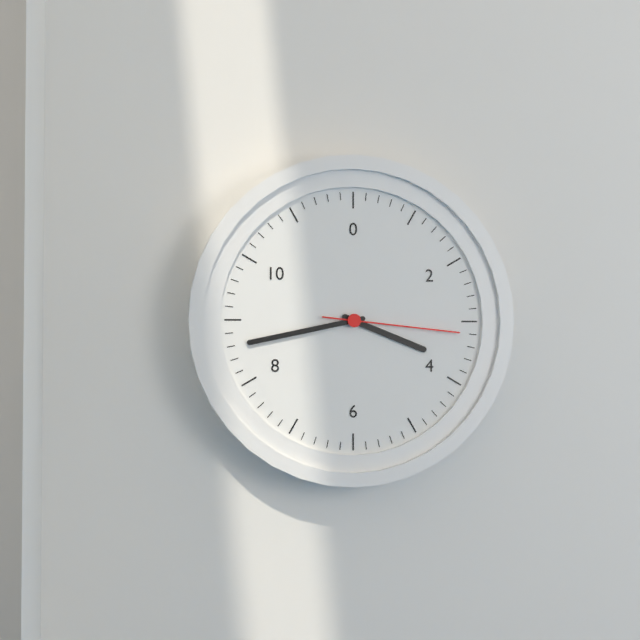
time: 3:43:16
